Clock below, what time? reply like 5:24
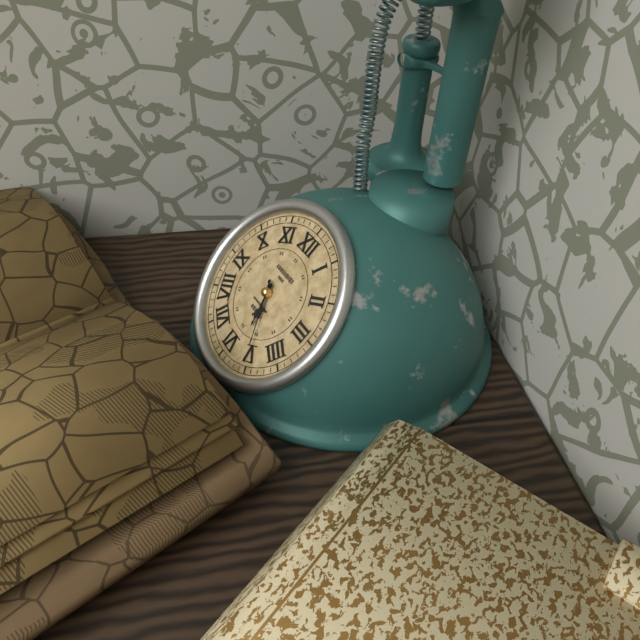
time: 5:25
